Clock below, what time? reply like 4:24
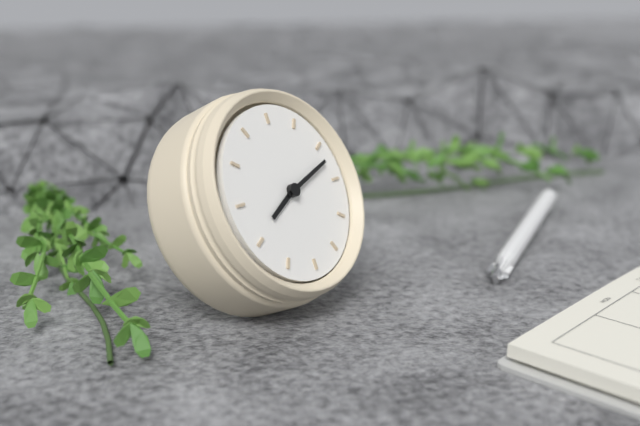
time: 7:07
